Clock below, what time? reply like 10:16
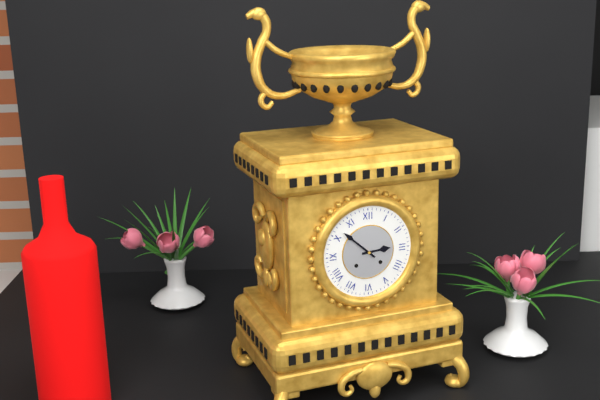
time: 2:52
